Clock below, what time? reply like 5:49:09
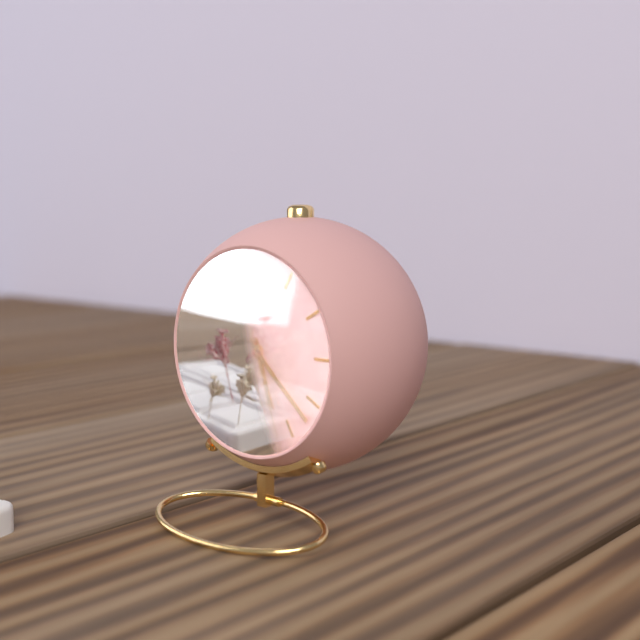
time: 5:22:27
